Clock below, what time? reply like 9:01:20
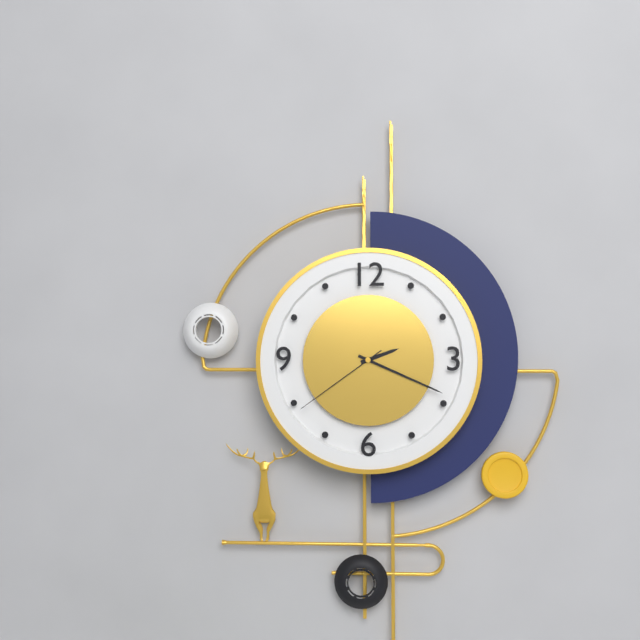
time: 2:19:39
